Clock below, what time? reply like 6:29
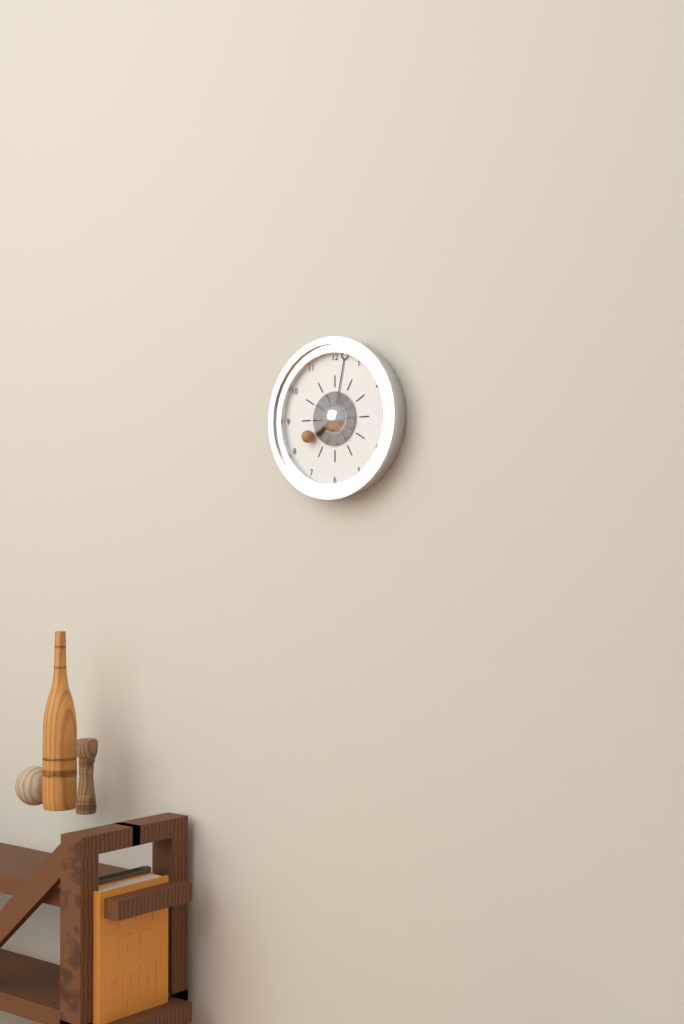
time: 8:02
